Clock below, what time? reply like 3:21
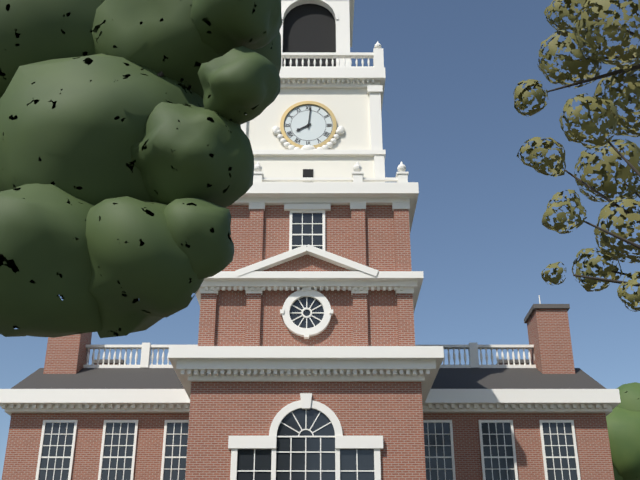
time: 8:01
